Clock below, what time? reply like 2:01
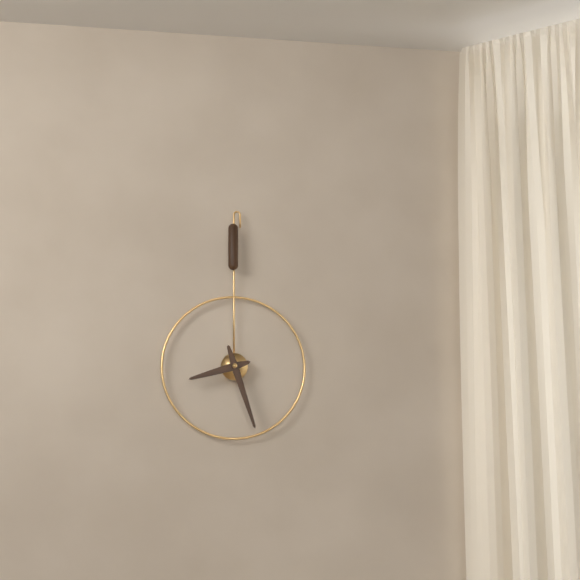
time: 8:27
